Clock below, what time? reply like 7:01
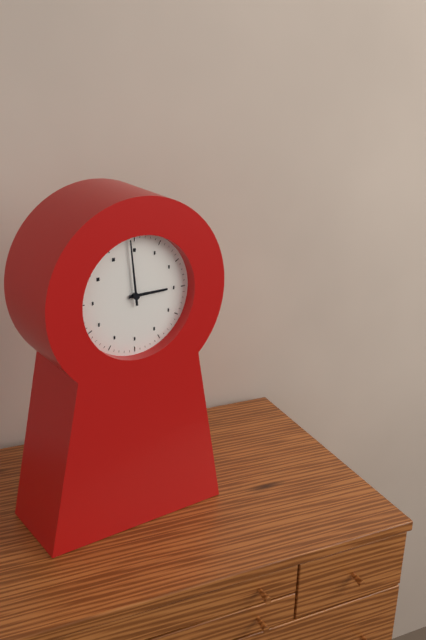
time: 2:59
